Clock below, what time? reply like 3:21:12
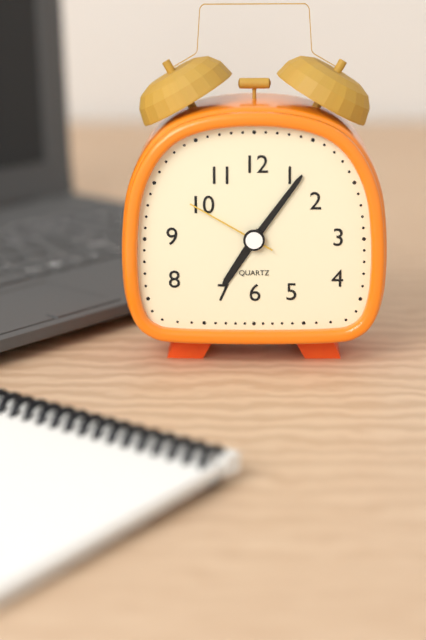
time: 7:06:50
